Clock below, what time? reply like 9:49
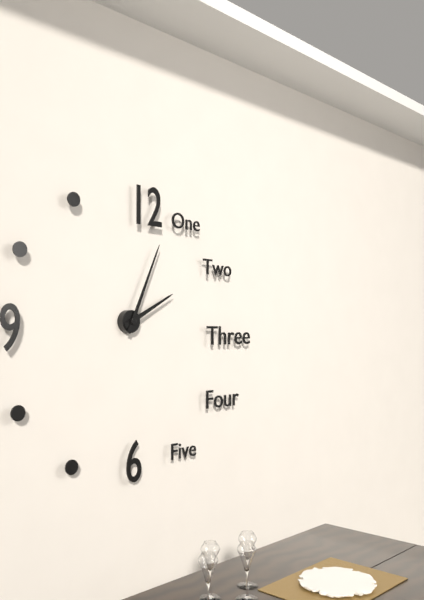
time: 2:04
